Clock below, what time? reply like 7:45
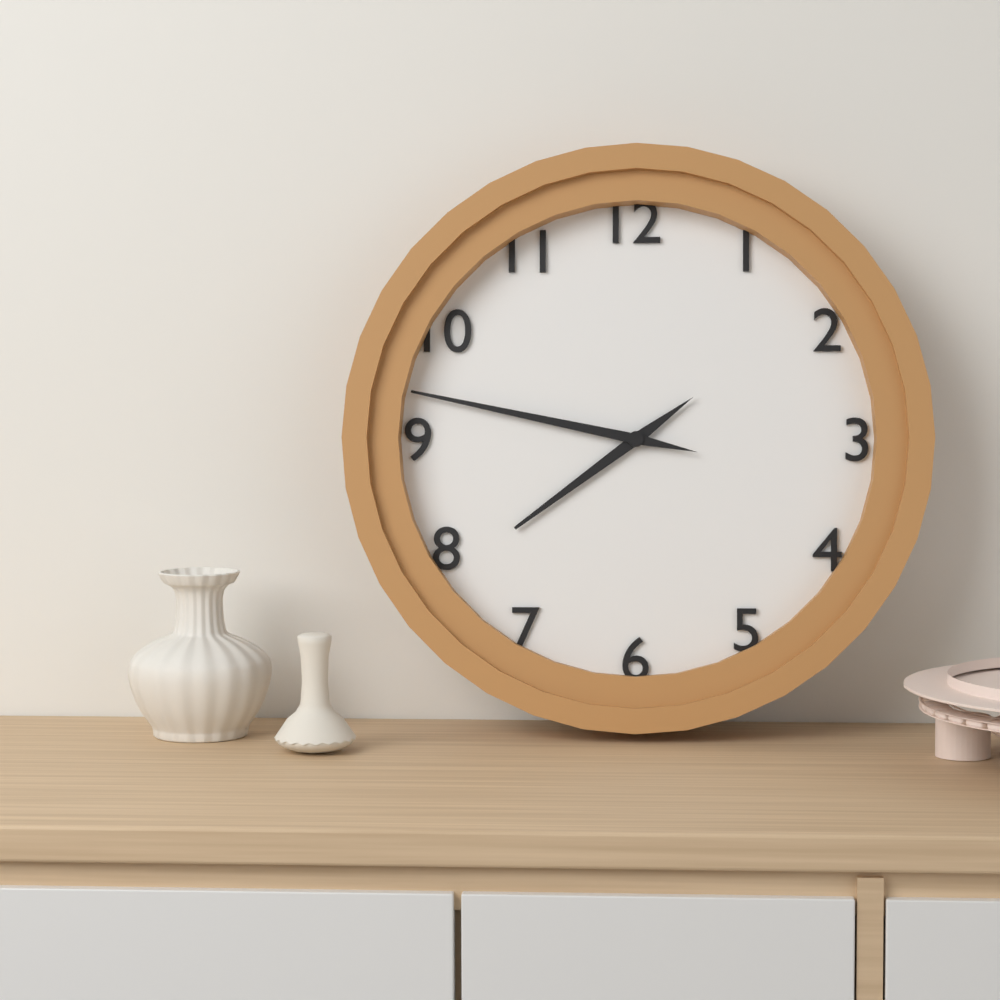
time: 7:47
